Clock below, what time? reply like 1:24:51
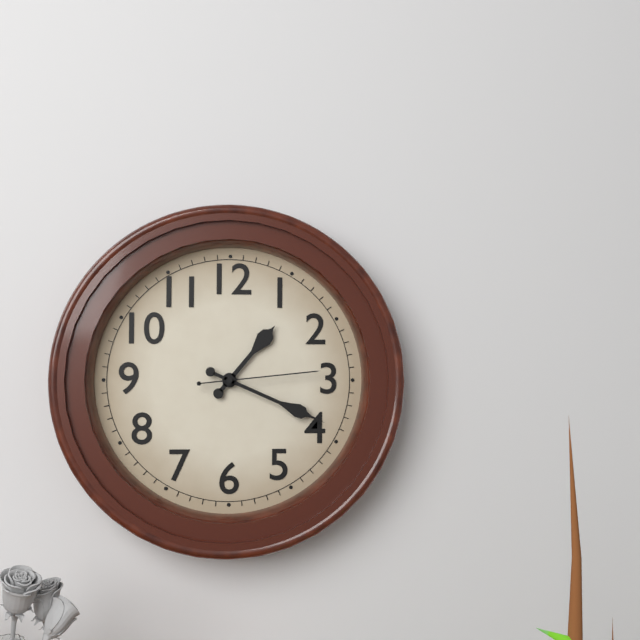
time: 1:19:14
